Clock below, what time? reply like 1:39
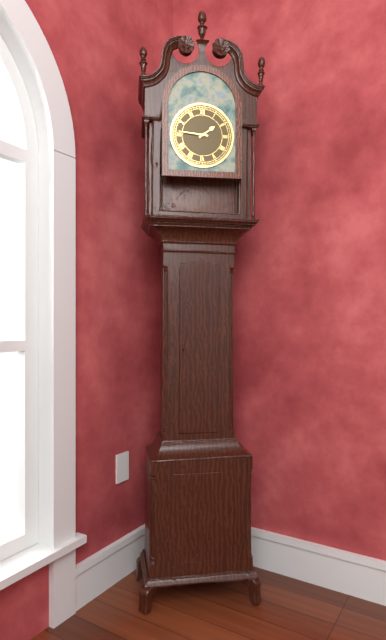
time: 1:46
